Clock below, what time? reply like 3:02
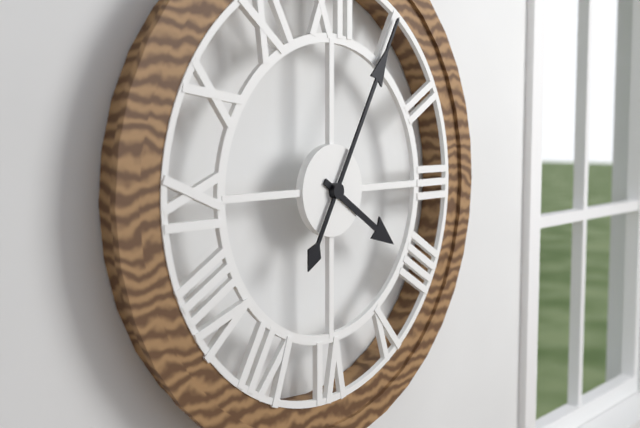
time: 4:05
